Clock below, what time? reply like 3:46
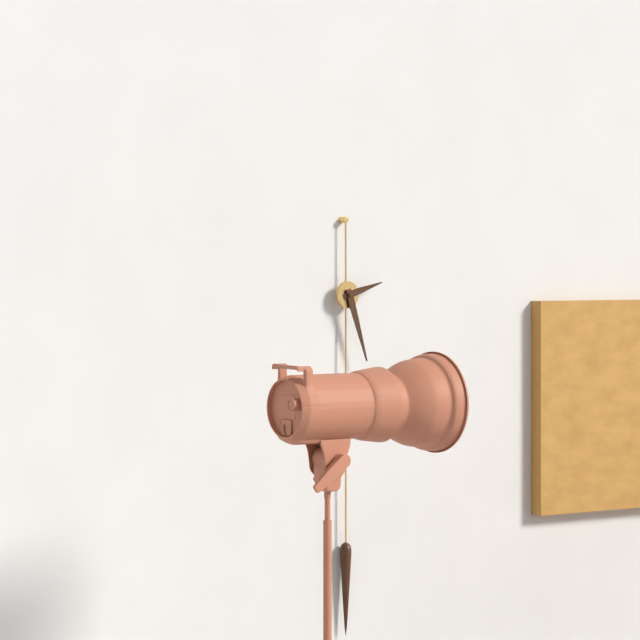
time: 2:27
